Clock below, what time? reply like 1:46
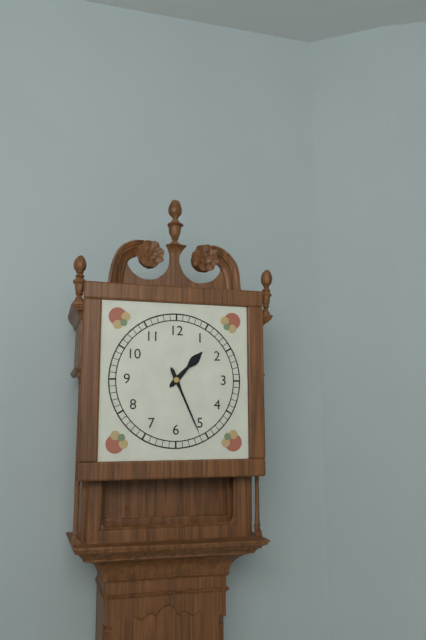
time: 1:26
